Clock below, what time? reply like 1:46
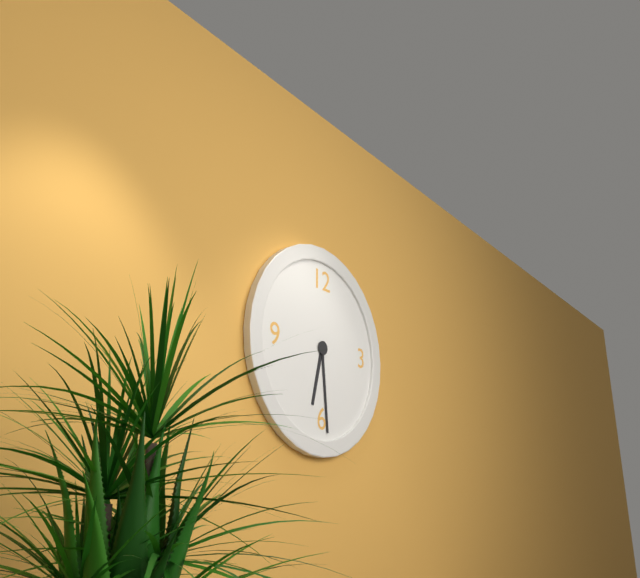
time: 6:29
